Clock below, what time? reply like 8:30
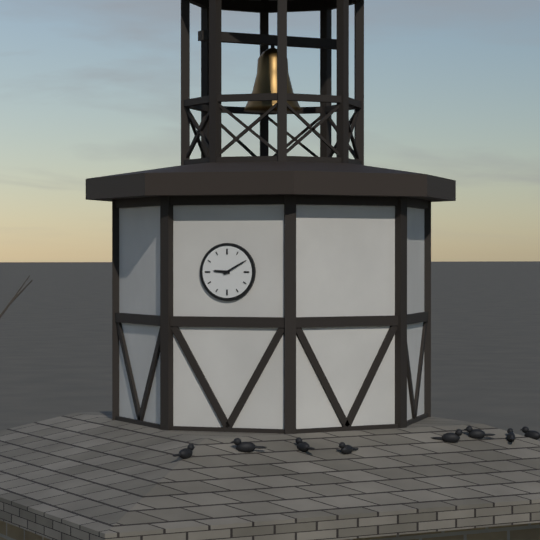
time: 9:10
